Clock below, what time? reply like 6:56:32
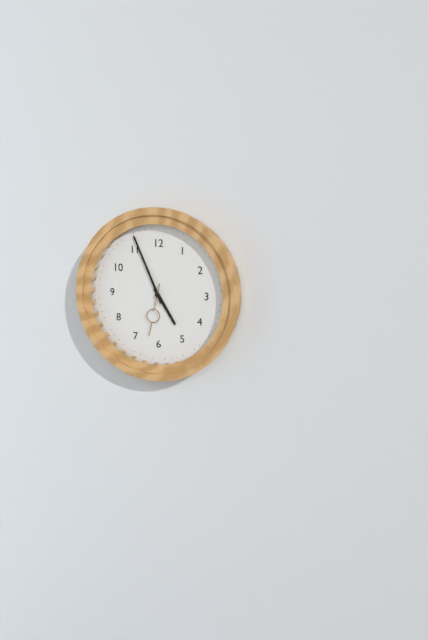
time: 4:56:32
